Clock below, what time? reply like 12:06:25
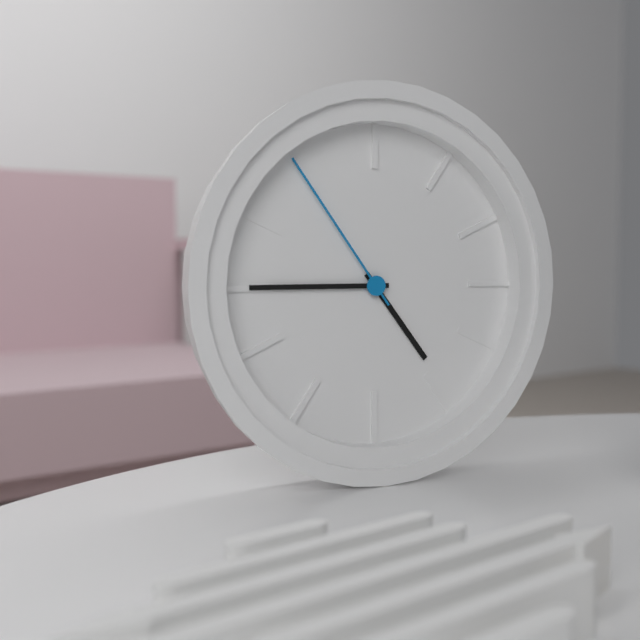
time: 4:45:54
